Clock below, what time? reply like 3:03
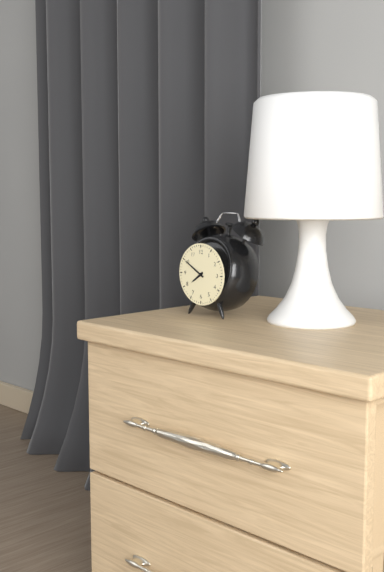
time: 7:50
